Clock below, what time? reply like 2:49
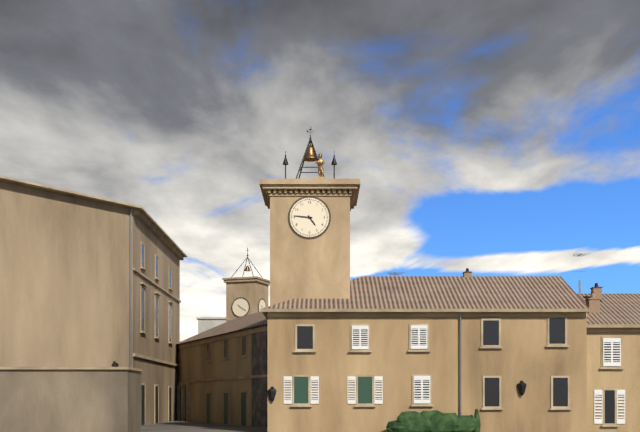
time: 4:46
